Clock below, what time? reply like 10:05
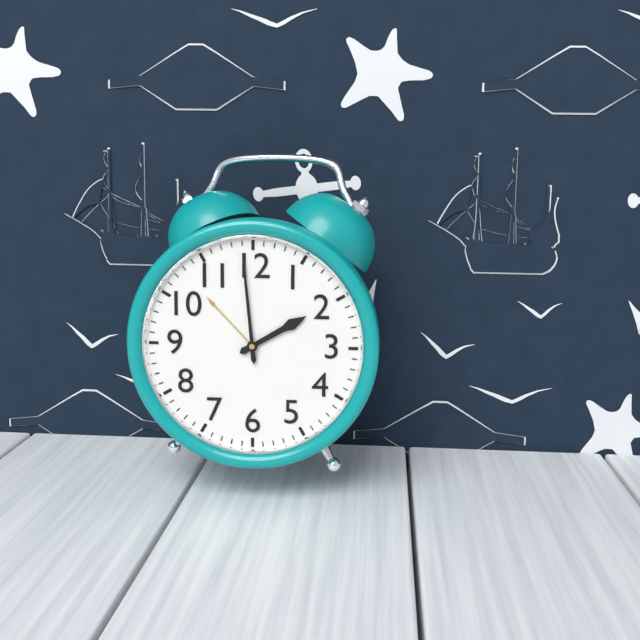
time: 1:59
